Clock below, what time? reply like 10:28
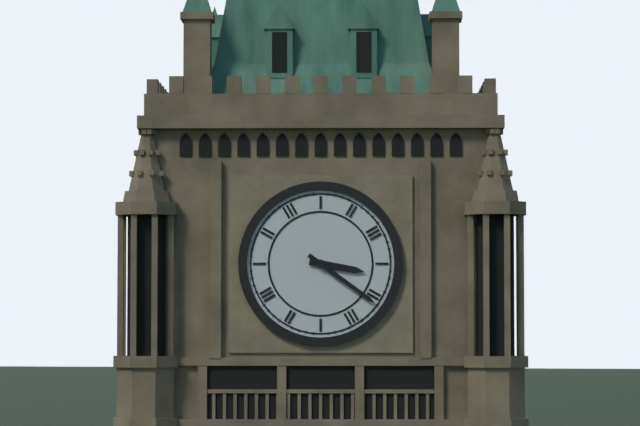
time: 3:21
